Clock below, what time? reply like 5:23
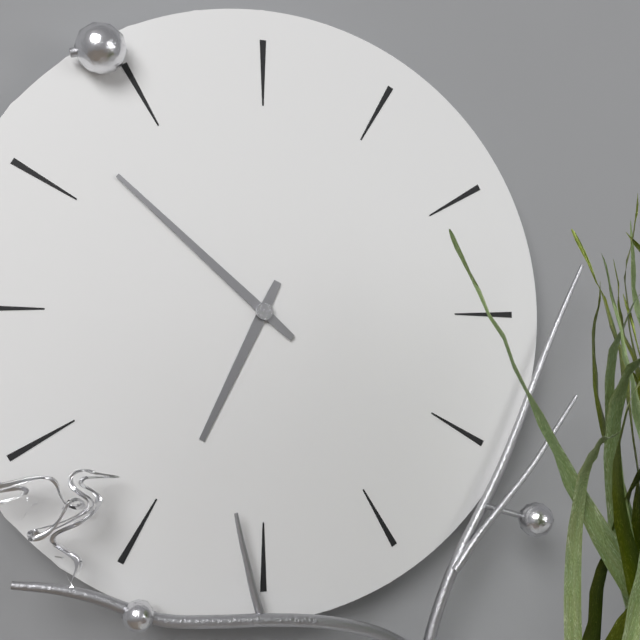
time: 6:52
